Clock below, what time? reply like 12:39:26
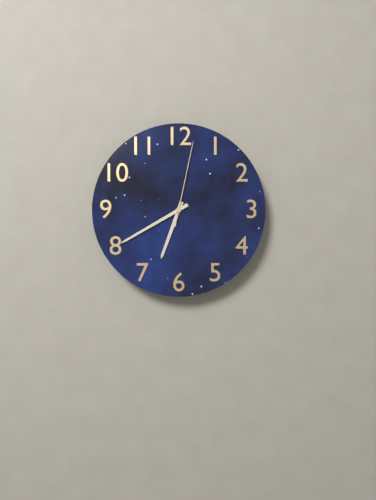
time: 6:40:02
